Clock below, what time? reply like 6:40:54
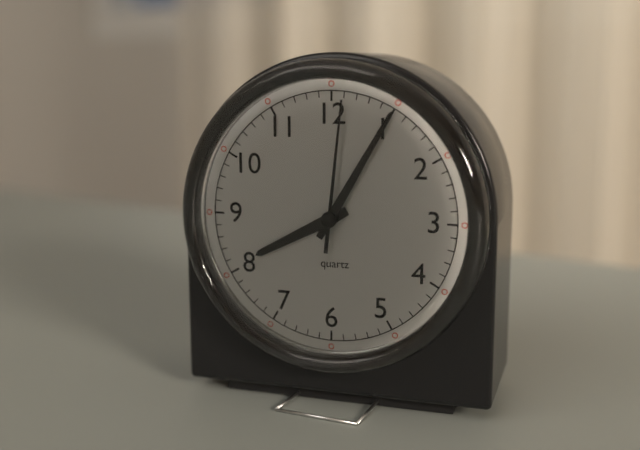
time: 8:05:01
